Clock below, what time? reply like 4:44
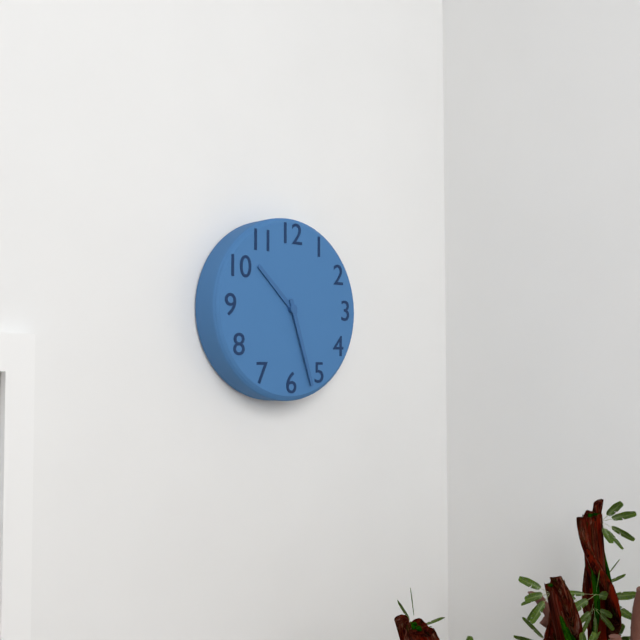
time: 10:27
